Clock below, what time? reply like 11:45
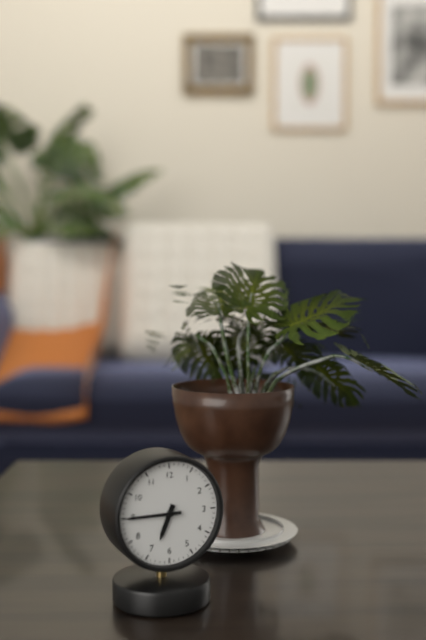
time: 6:45
